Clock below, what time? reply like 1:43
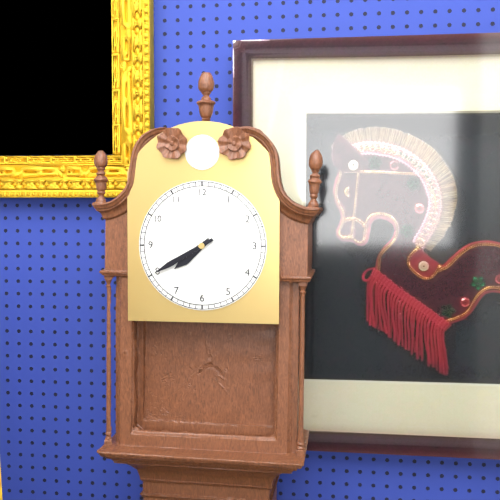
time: 7:40
